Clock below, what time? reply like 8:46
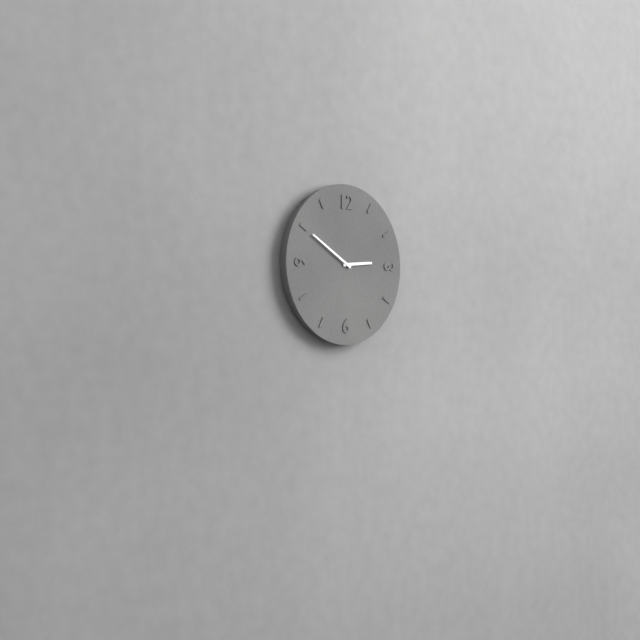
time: 2:50
